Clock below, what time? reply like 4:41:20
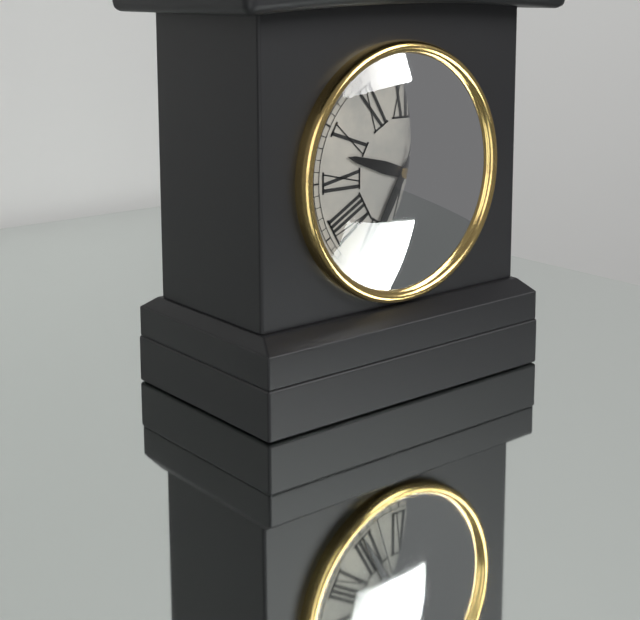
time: 9:35:33
